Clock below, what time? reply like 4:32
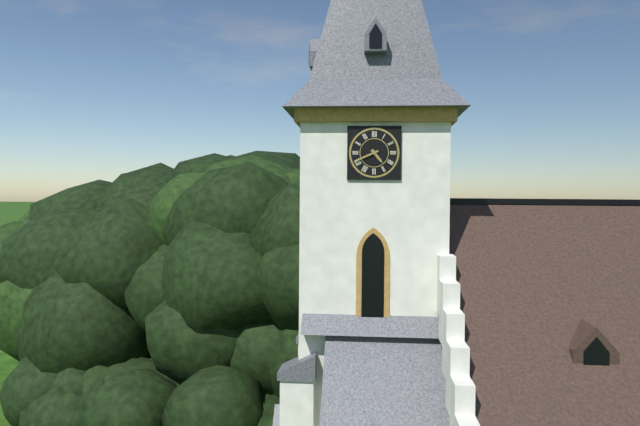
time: 4:41
